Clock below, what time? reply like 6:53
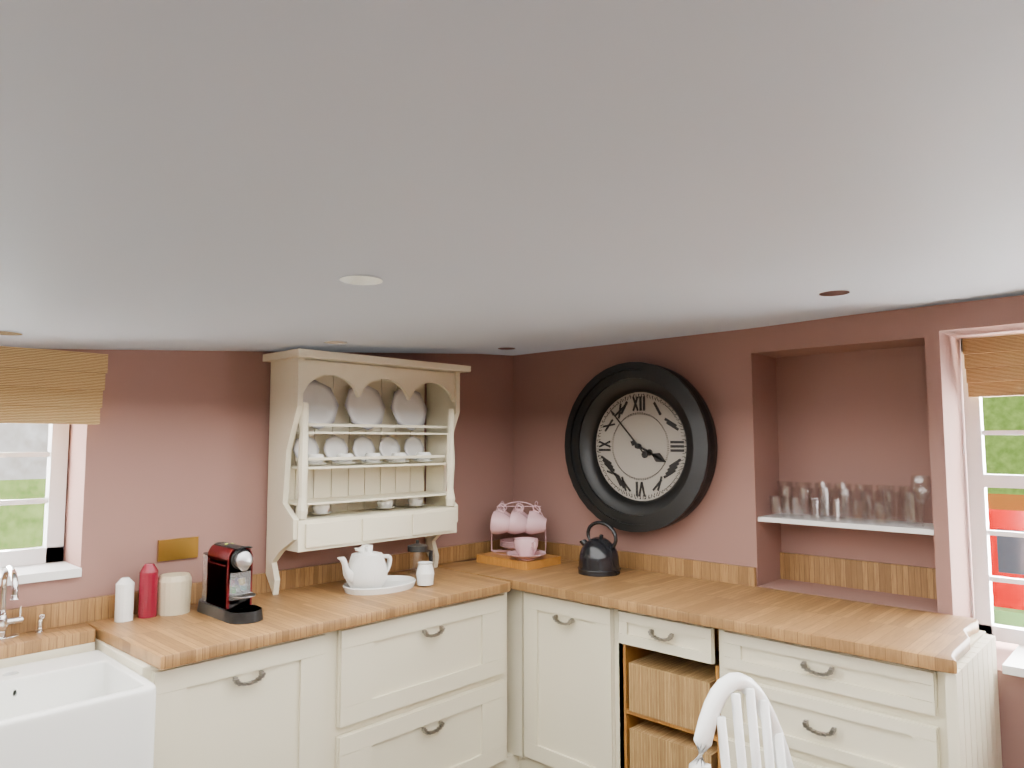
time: 3:53
